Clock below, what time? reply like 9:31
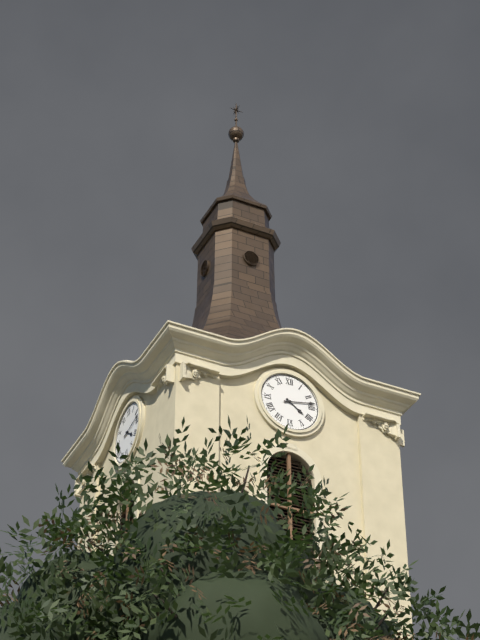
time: 4:13
